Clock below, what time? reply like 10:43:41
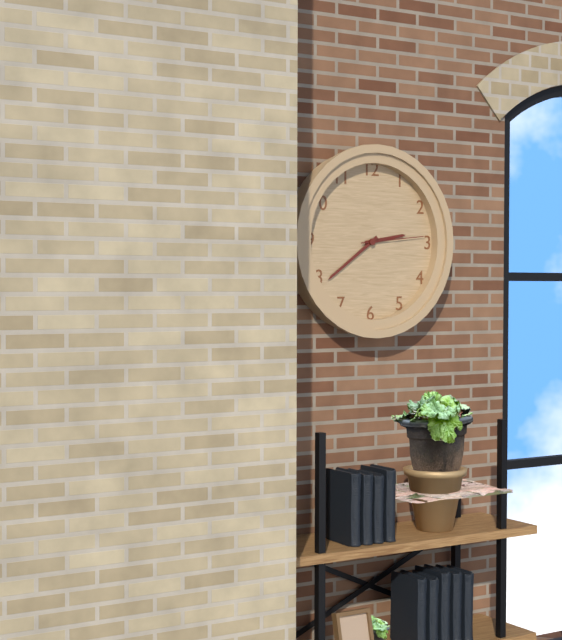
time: 2:39:14
